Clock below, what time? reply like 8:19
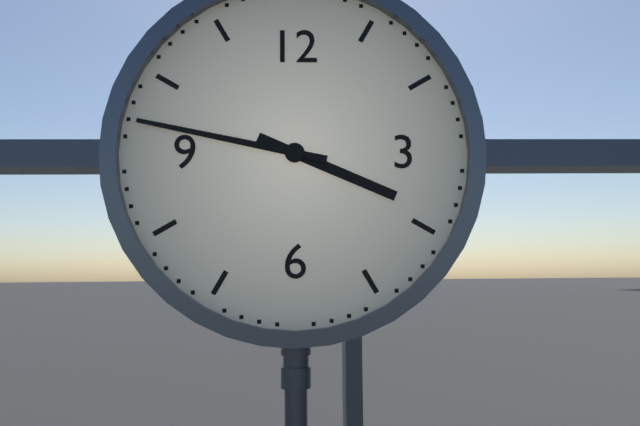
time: 3:47
